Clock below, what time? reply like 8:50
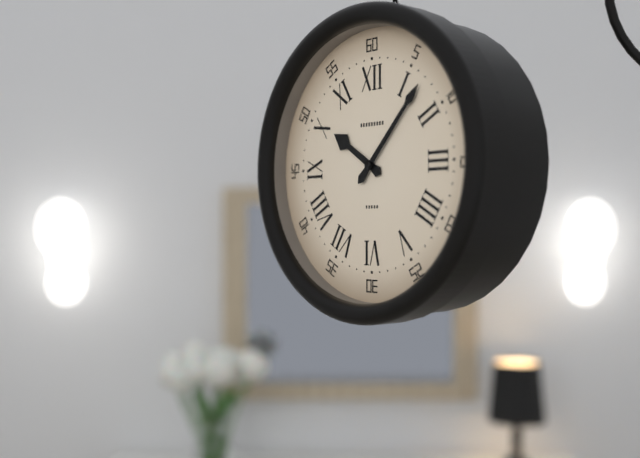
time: 10:07
